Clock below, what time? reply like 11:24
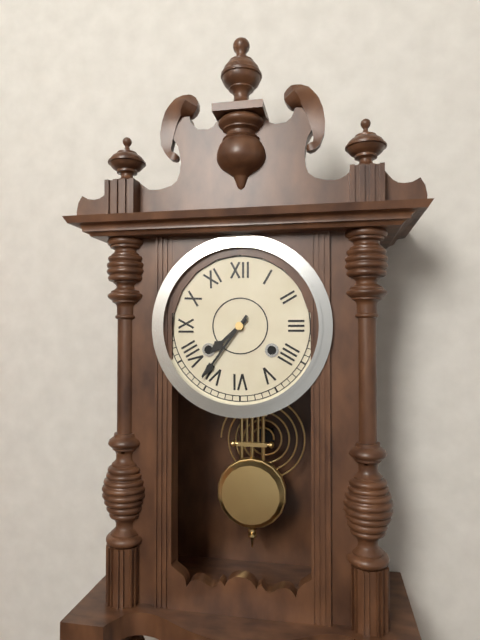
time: 7:36
